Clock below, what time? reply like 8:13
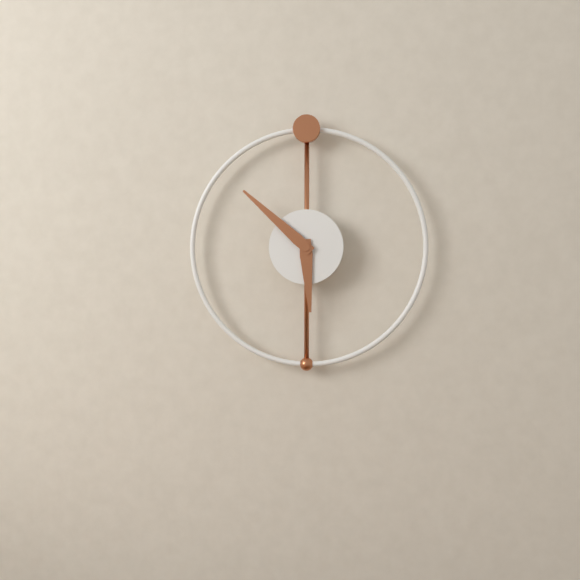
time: 5:52
